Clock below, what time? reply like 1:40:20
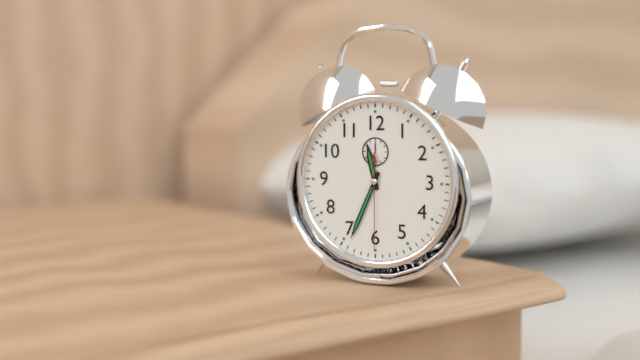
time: 11:34:30
